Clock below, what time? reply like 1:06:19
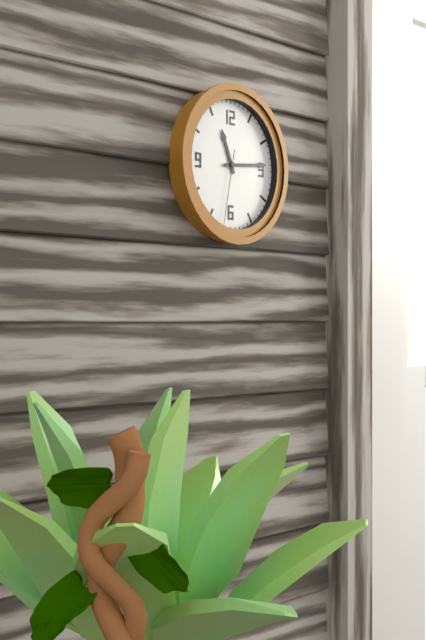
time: 11:14:32
